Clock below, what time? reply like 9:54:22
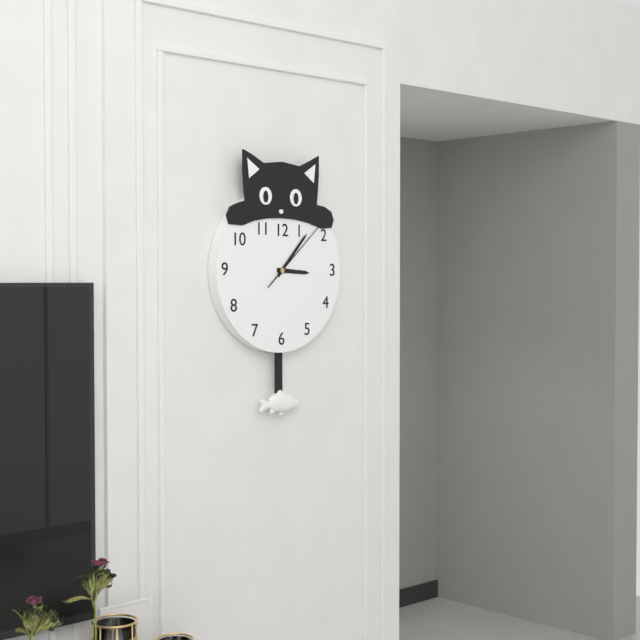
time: 3:07:08
